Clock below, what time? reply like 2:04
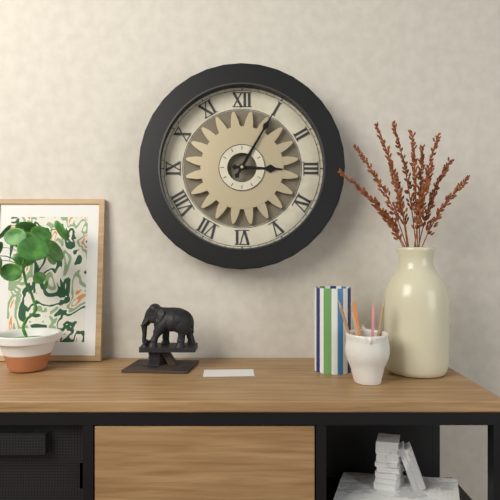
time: 3:05
